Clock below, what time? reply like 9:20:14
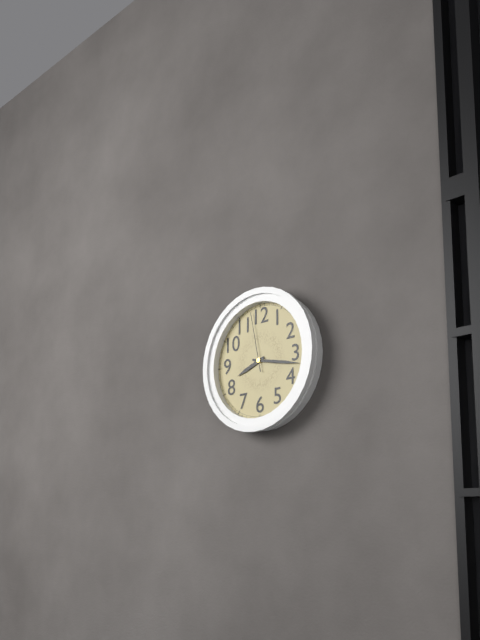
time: 8:17:58
